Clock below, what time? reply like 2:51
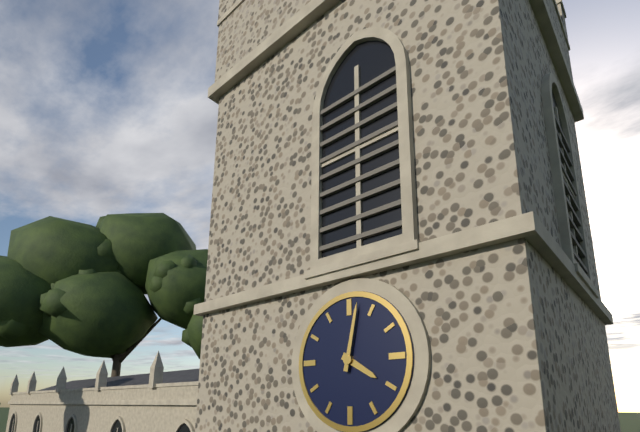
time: 4:02
